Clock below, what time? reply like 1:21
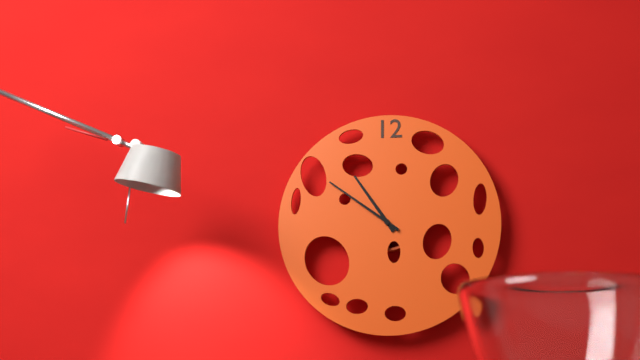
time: 10:51
